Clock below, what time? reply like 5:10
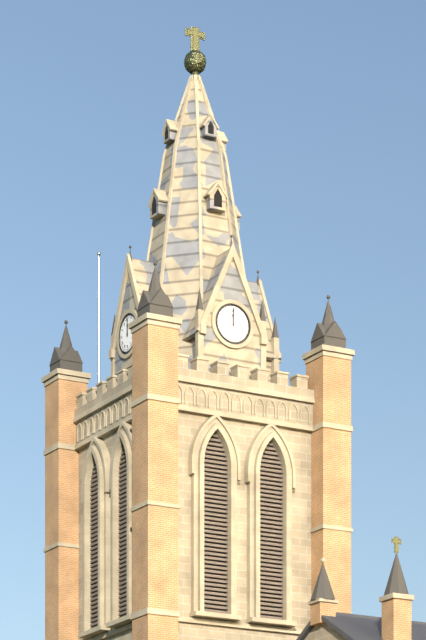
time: 12:00
